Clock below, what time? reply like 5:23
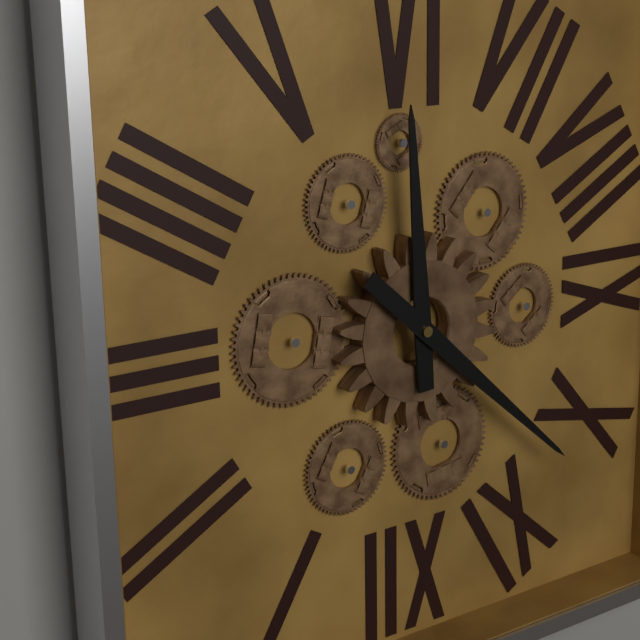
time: 5:52
